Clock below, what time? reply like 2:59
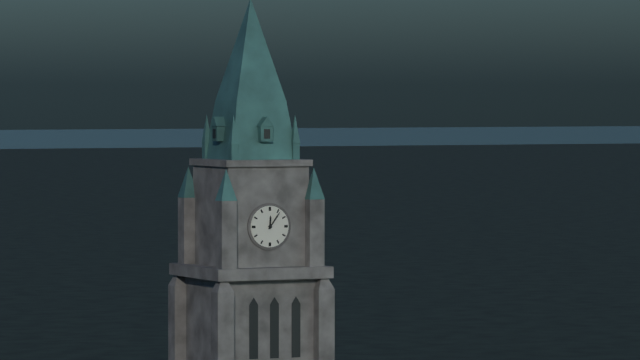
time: 12:06
